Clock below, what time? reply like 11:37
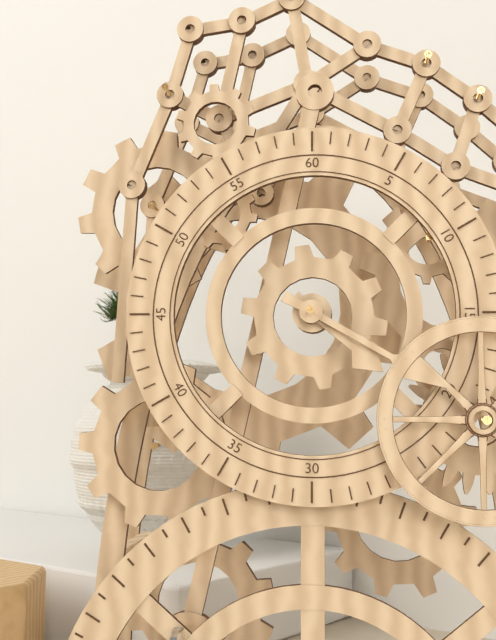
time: 4:20
